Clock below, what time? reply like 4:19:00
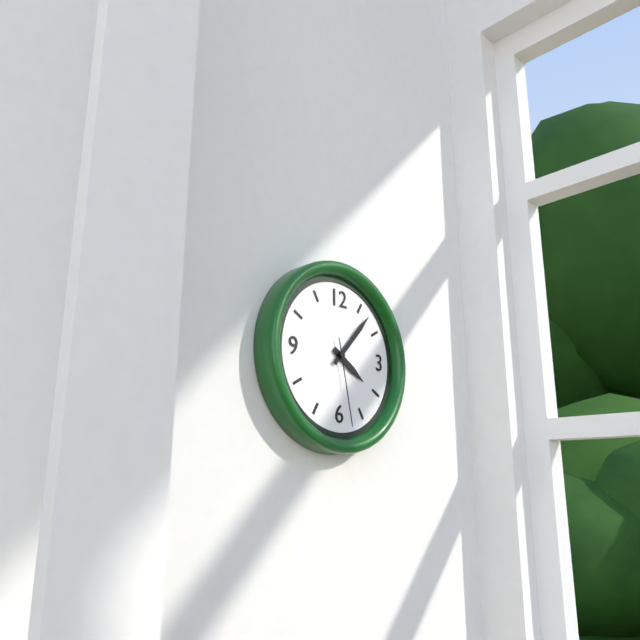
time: 4:07:28
